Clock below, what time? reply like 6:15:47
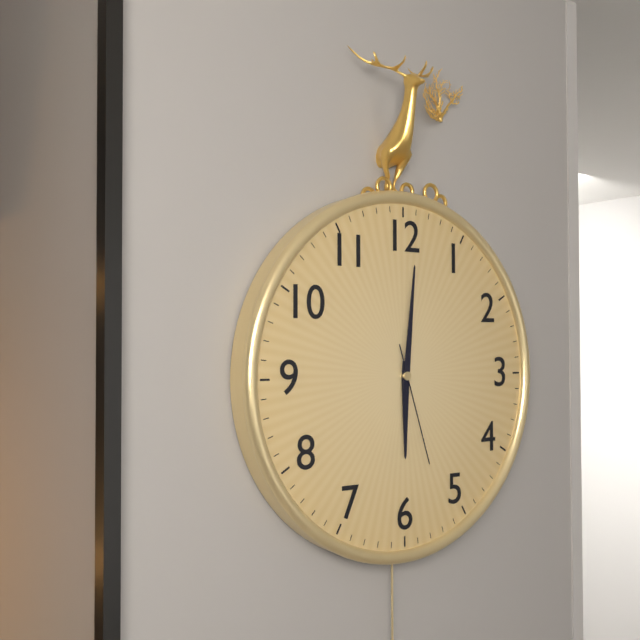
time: 6:01:27
